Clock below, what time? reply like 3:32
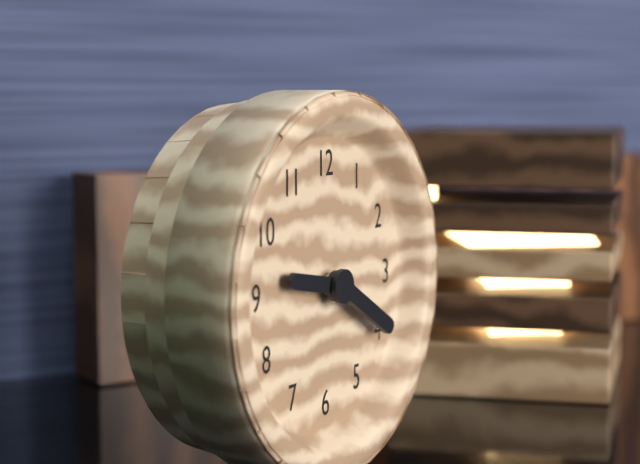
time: 9:20
